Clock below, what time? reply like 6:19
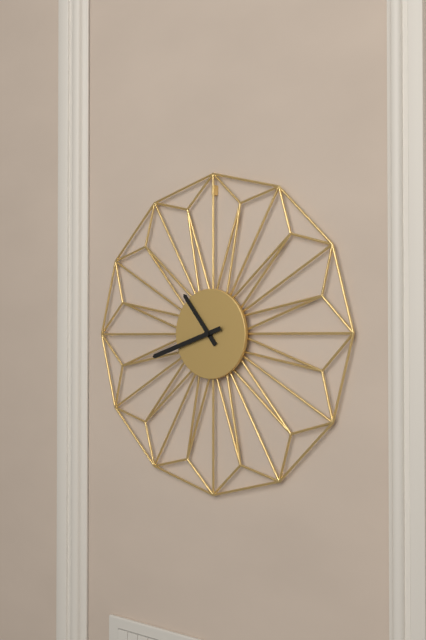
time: 10:42
